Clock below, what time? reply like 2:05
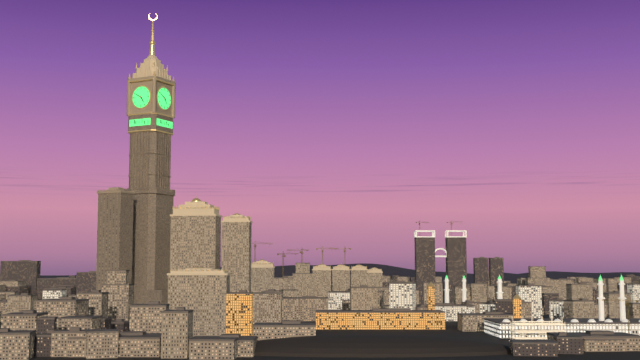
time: 4:50
